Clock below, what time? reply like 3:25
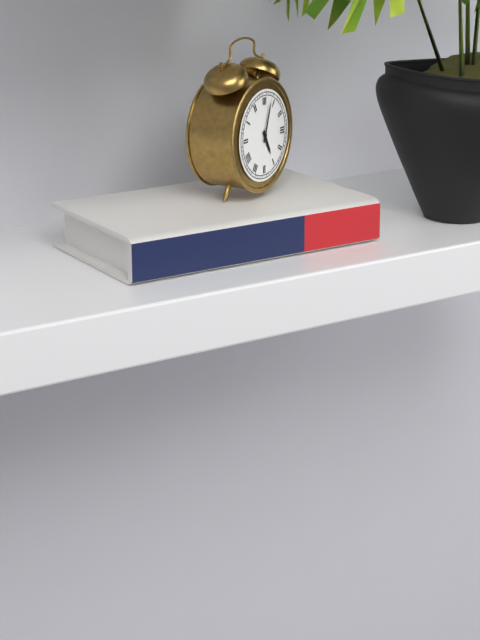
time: 5:03
